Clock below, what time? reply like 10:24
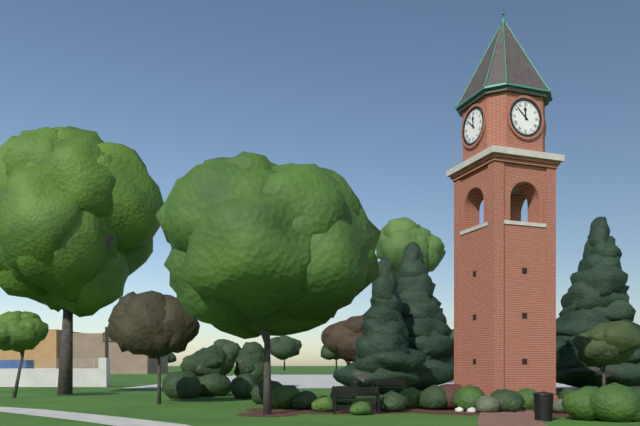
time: 11:52
